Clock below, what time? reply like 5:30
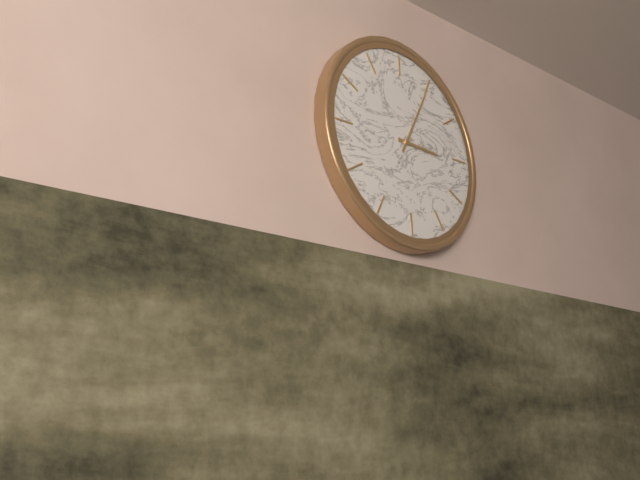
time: 3:05
